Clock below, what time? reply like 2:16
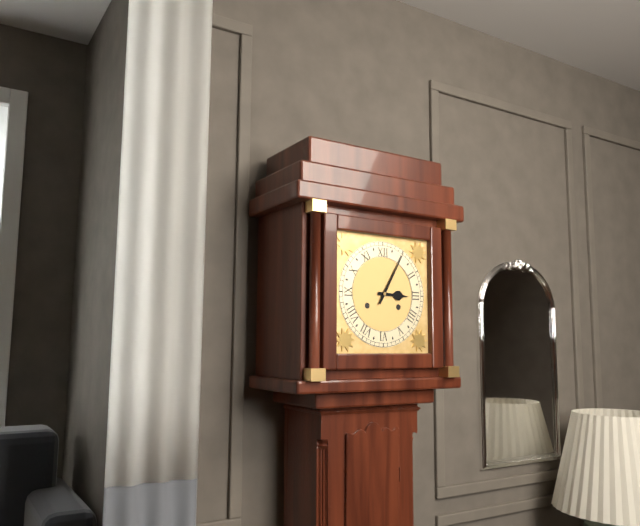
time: 3:05
